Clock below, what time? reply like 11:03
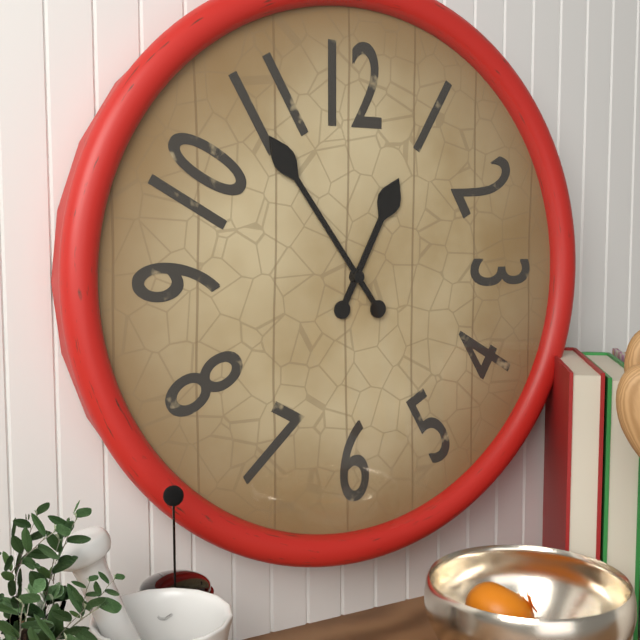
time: 12:54
